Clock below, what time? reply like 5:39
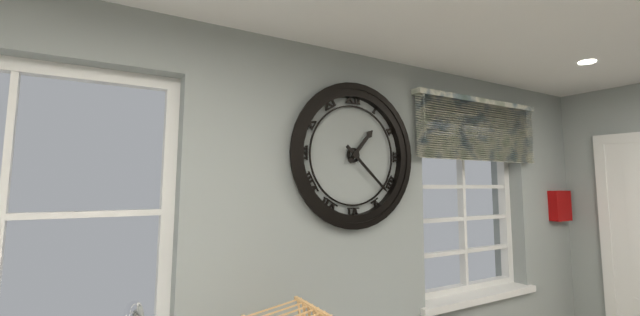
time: 1:22
